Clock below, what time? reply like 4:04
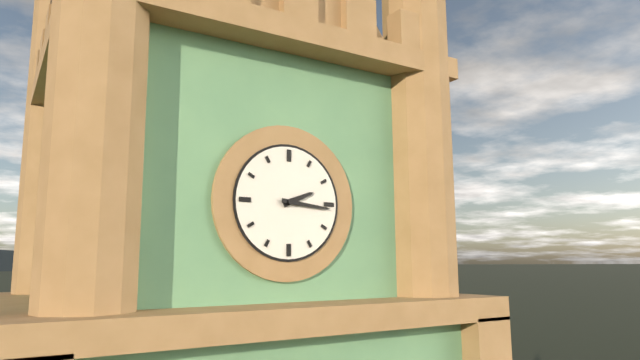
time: 2:16
